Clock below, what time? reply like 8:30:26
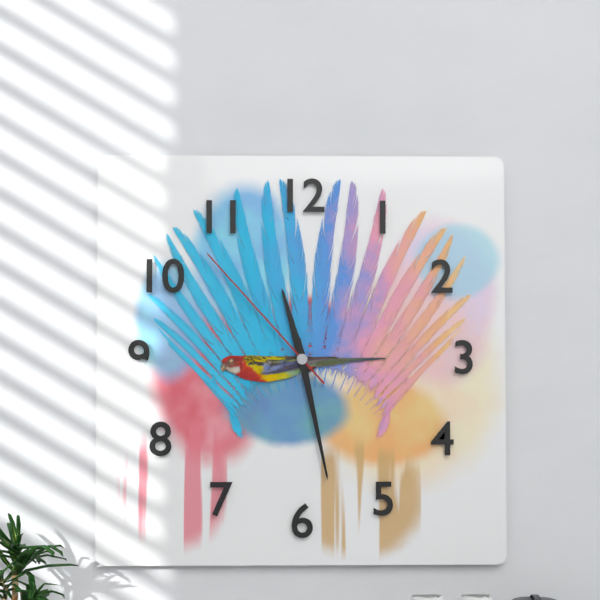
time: 11:28:53
